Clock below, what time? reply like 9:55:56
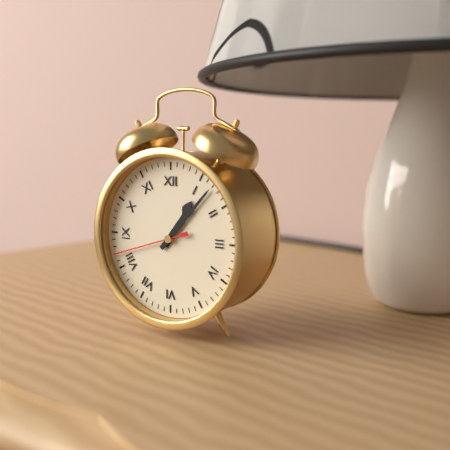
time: 1:07:42
